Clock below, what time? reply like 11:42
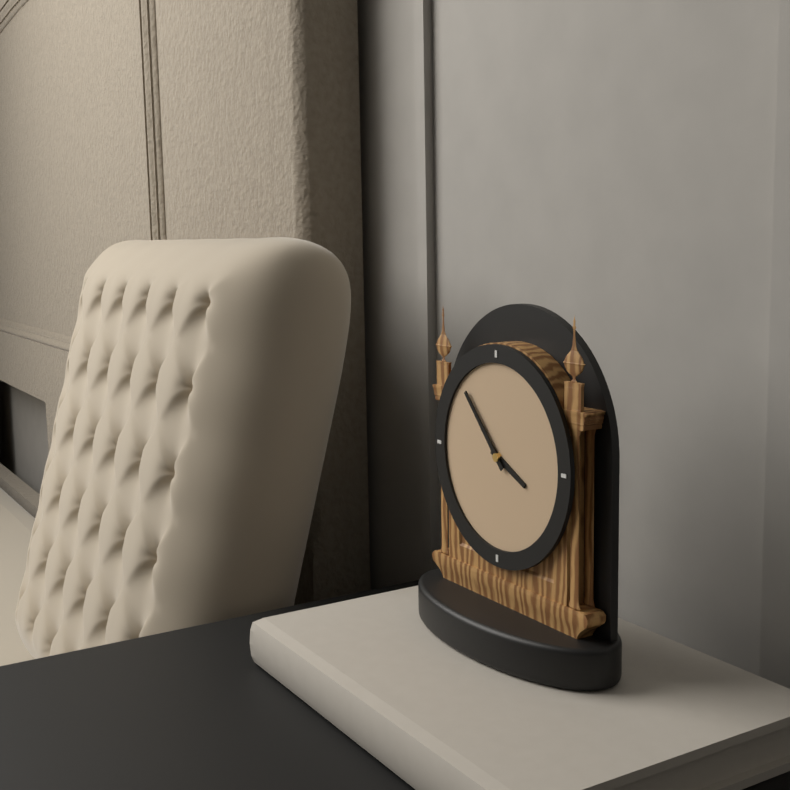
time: 3:53
